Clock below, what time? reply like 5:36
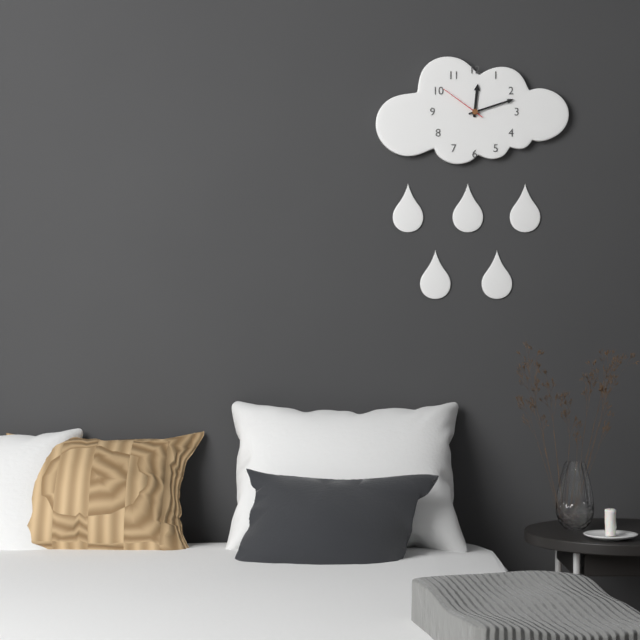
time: 12:12
